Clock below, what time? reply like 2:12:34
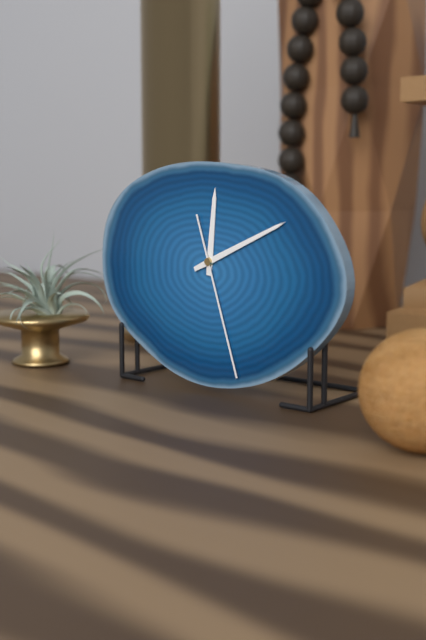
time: 12:11:27
